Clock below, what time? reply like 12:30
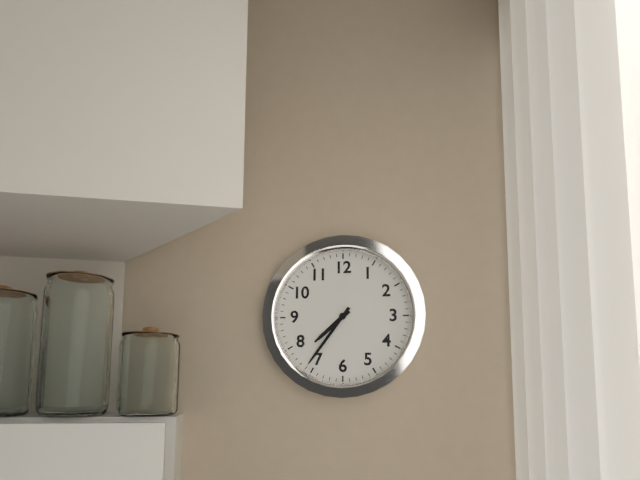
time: 7:36
